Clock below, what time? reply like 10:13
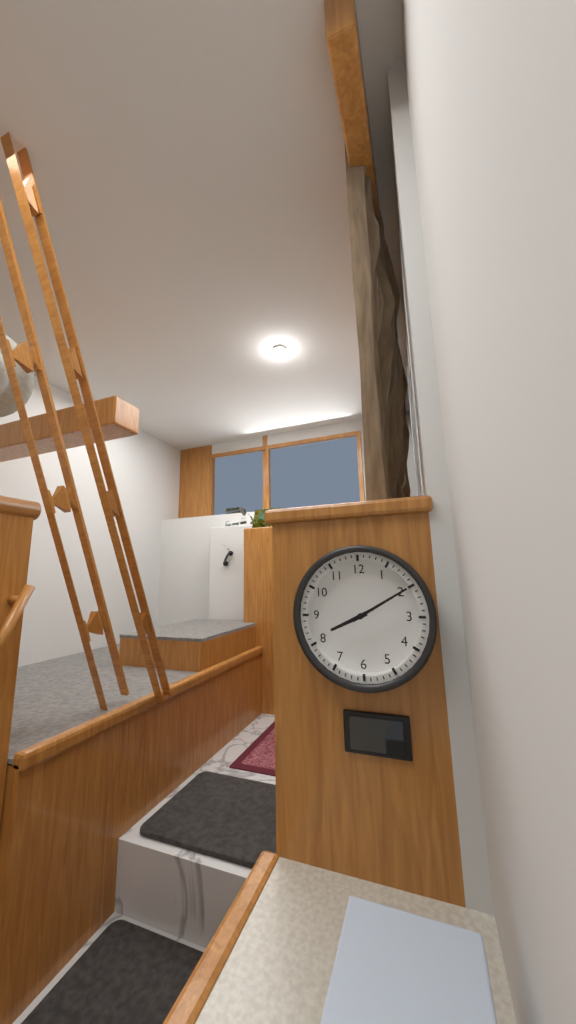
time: 8:10
